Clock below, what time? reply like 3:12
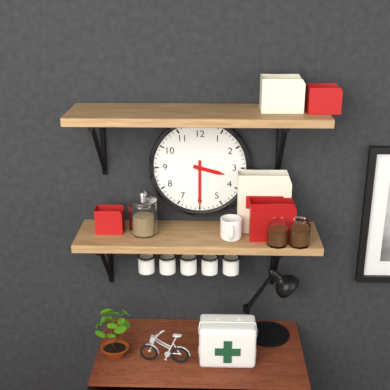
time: 3:30
